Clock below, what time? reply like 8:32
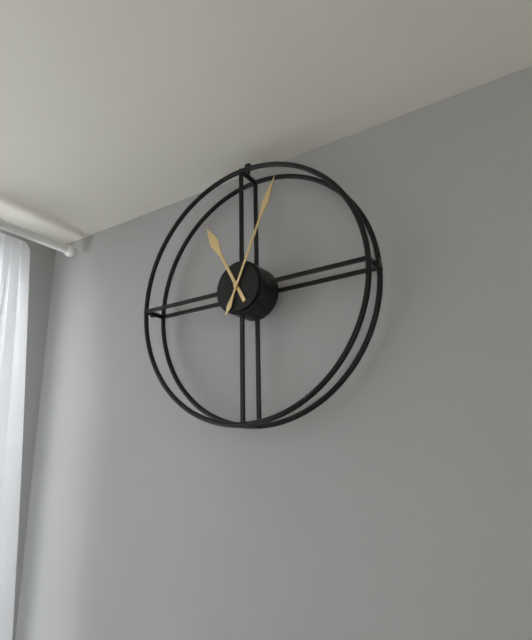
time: 11:04
